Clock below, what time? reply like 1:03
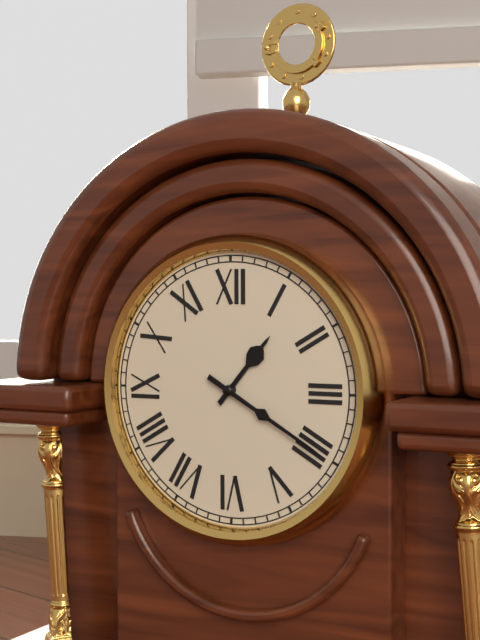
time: 1:20
